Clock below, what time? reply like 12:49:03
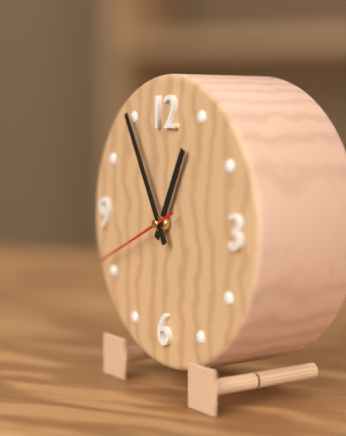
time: 12:55:41
